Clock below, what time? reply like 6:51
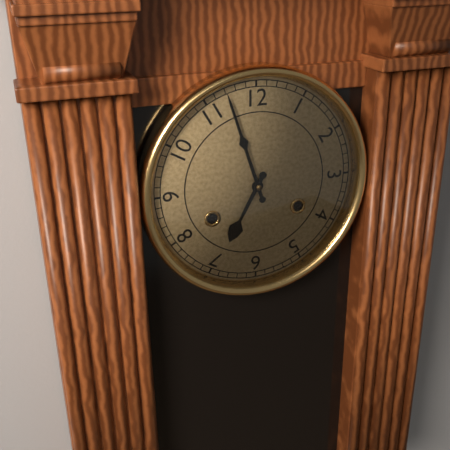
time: 6:57
